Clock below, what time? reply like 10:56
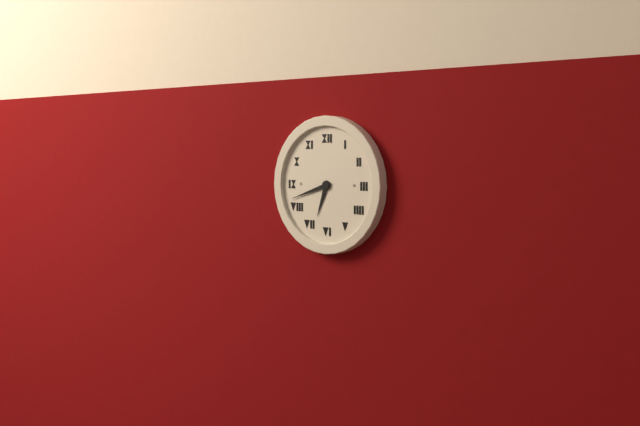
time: 6:42
